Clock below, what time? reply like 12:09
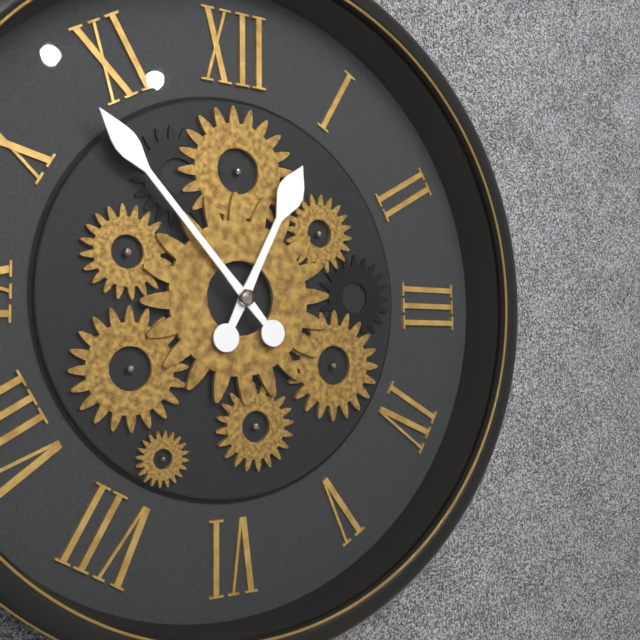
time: 12:53
